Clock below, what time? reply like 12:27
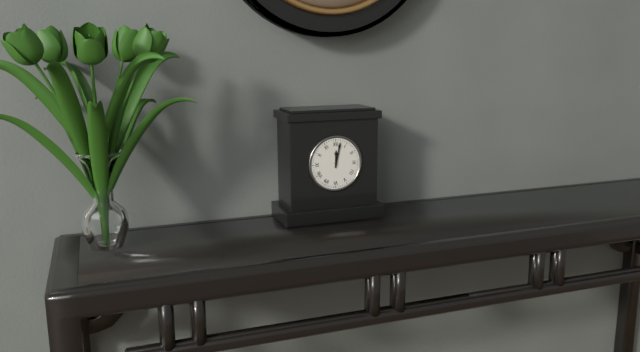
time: 12:02
